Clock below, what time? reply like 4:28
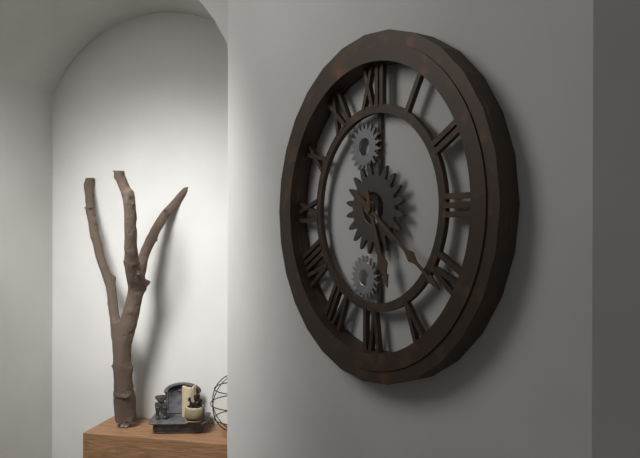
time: 5:21
